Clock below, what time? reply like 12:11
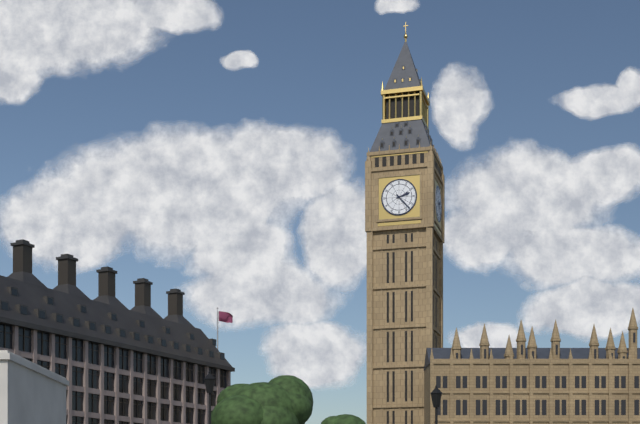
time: 2:23
